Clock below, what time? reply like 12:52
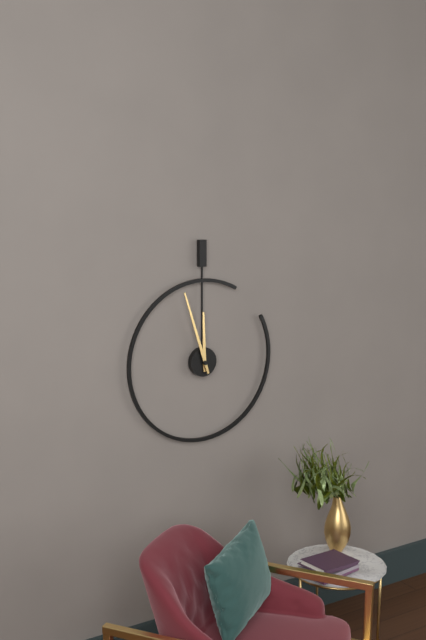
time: 11:57
